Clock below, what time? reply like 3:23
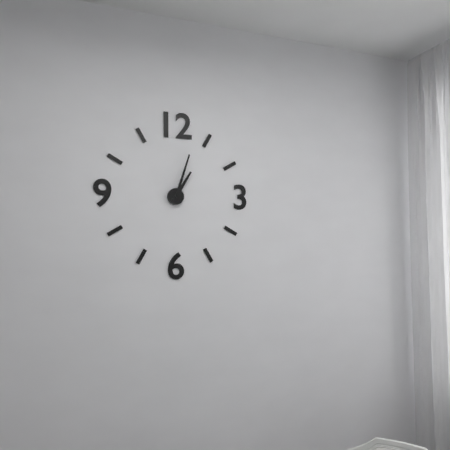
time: 1:03
